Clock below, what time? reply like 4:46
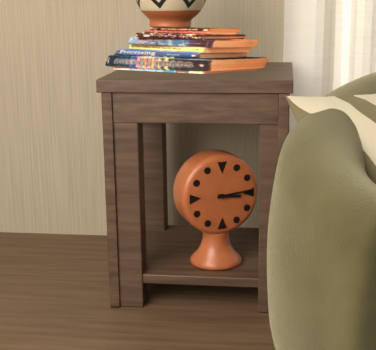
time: 3:14
